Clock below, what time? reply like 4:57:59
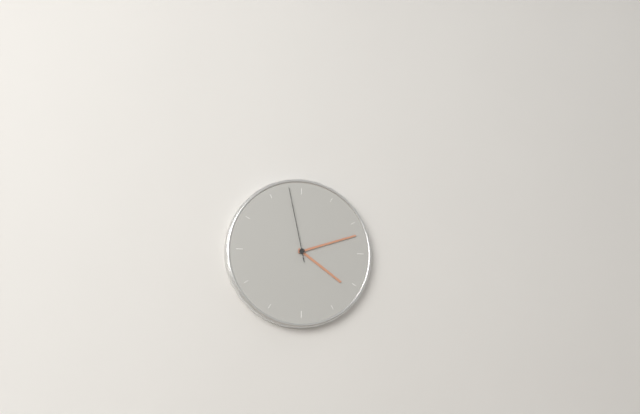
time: 4:12:58
